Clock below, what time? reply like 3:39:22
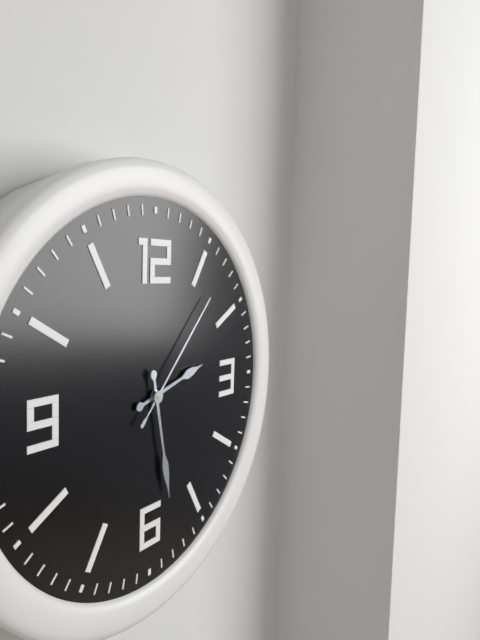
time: 2:28:07
